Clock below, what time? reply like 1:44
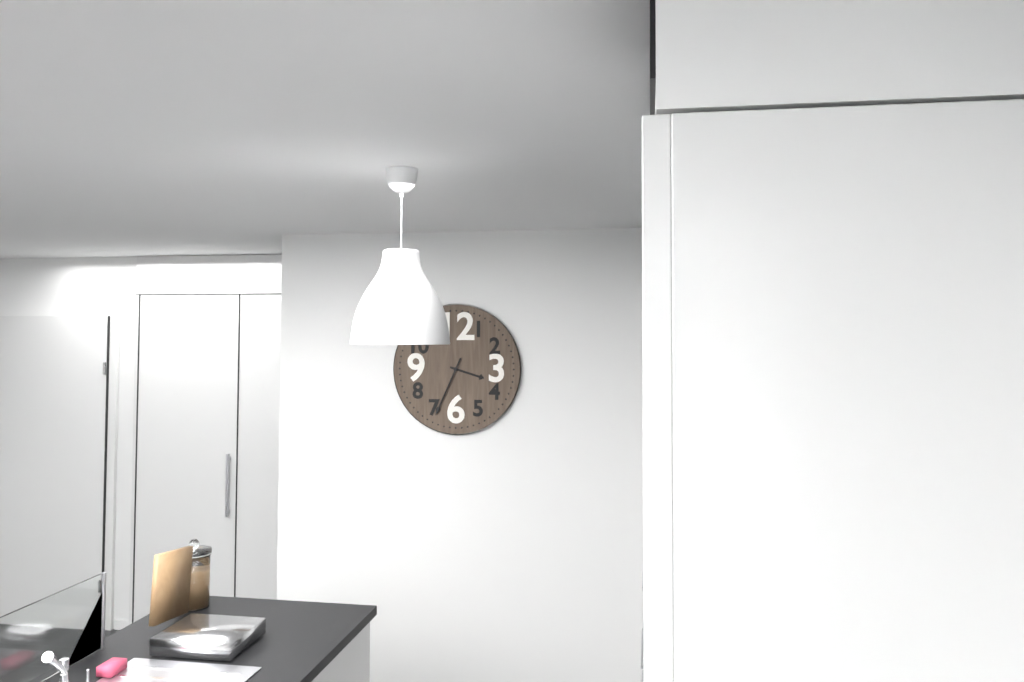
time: 3:34
